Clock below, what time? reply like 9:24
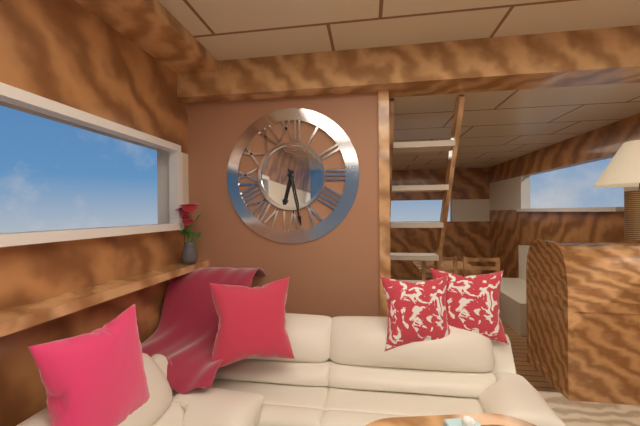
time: 6:28
